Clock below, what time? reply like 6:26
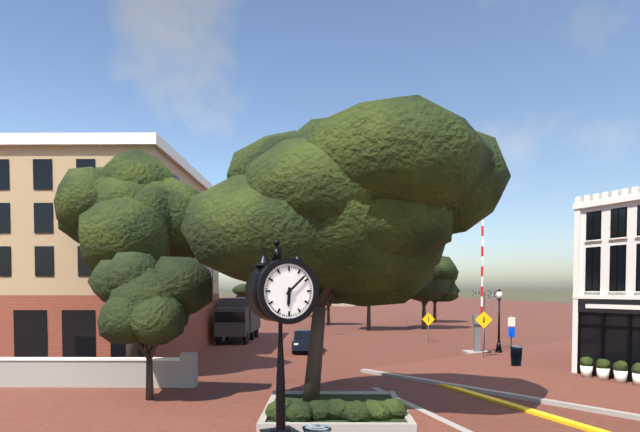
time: 6:08
